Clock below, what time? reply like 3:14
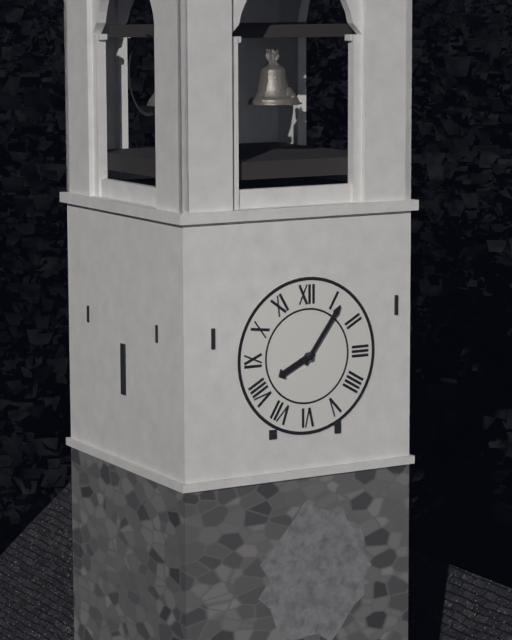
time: 8:06
